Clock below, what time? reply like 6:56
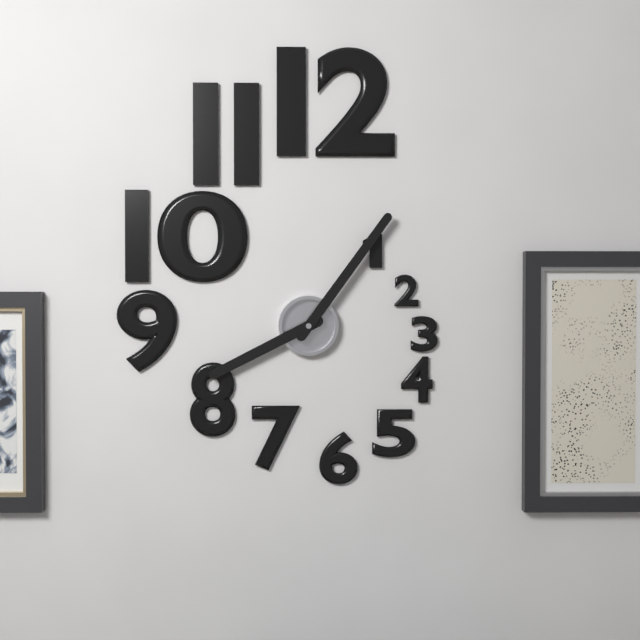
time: 8:06
